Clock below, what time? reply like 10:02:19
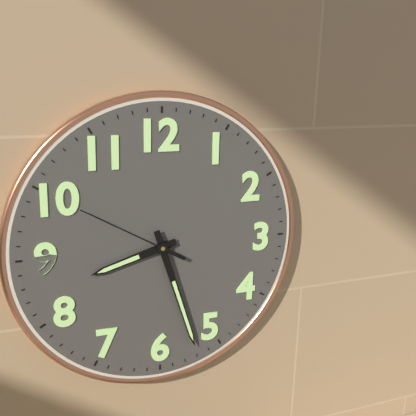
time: 8:27:50
